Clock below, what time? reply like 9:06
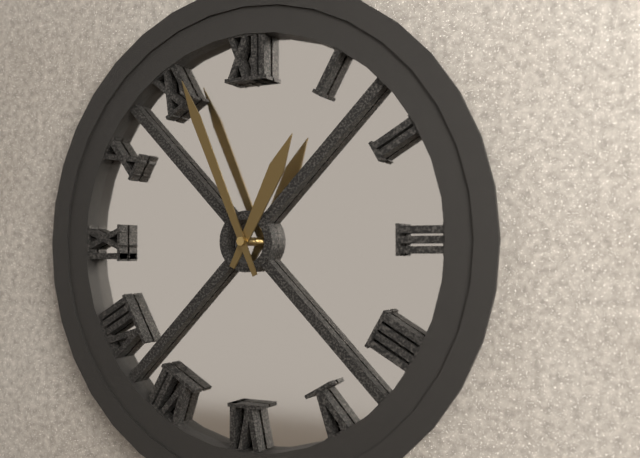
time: 12:56
